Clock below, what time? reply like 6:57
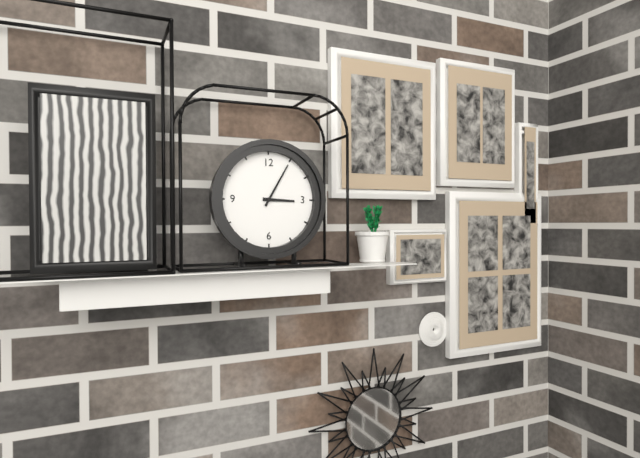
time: 3:05
